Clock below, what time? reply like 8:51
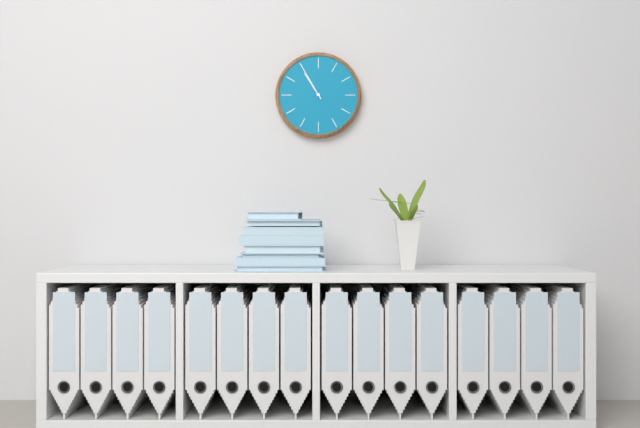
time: 10:55
